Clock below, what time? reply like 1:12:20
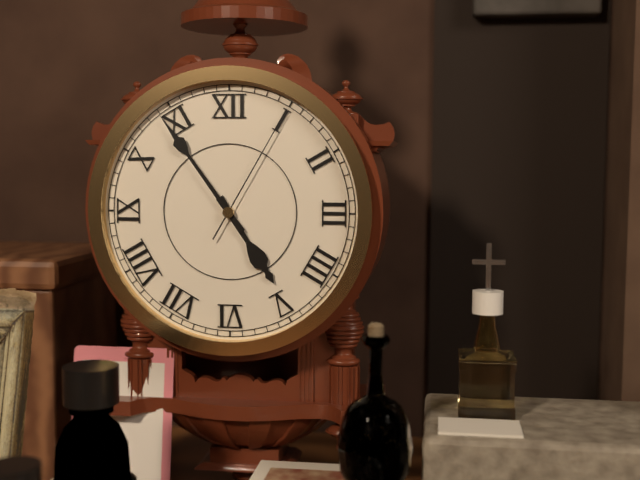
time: 4:54:05
